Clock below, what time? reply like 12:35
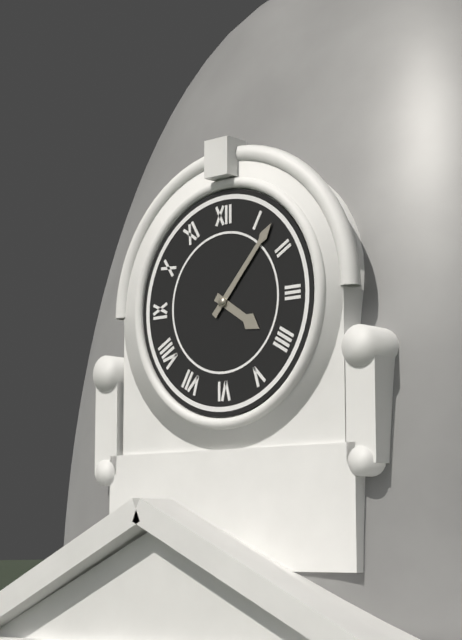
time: 4:07
